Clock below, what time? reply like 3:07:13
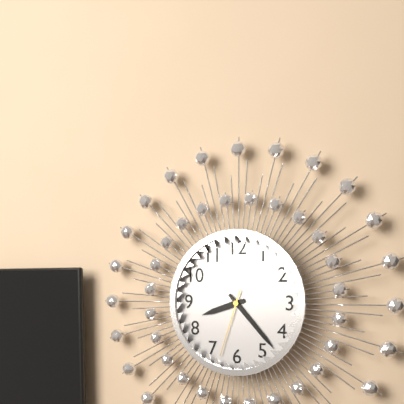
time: 8:23:33
